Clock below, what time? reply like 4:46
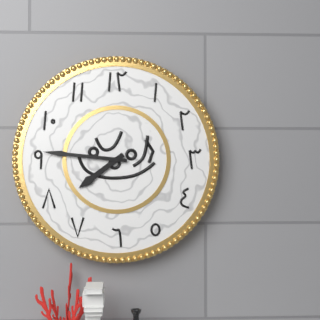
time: 7:46
